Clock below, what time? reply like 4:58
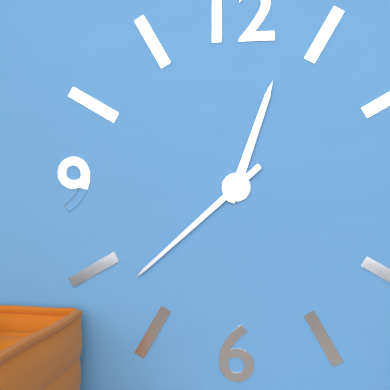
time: 12:38
